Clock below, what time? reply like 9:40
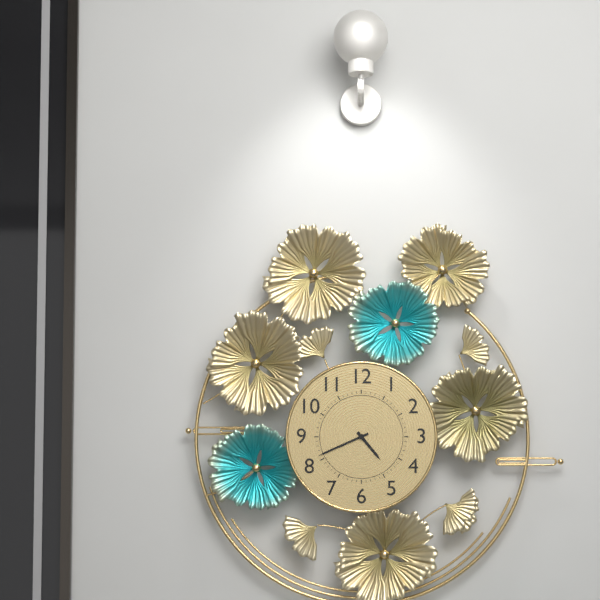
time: 4:41
